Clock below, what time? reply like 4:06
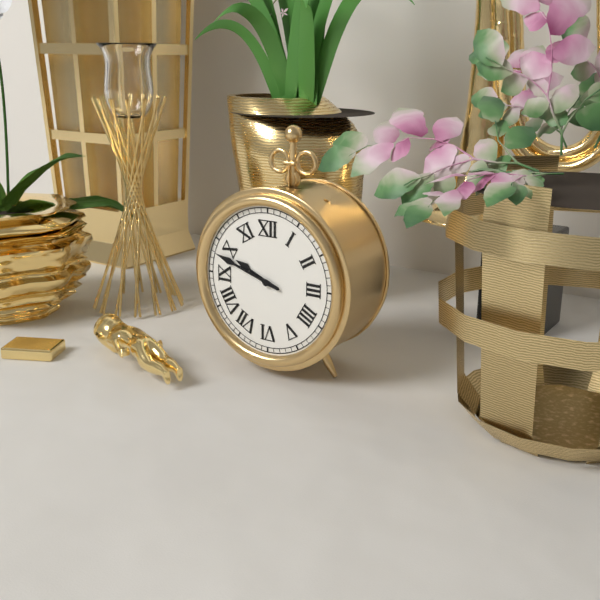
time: 9:48
